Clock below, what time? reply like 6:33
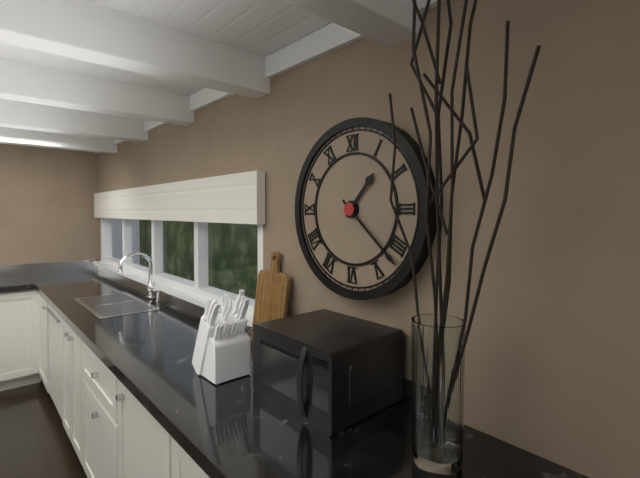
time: 1:22
